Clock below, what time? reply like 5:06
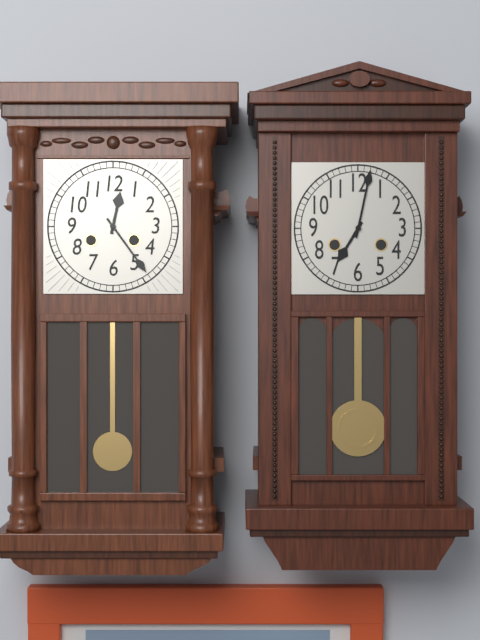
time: 12:24
